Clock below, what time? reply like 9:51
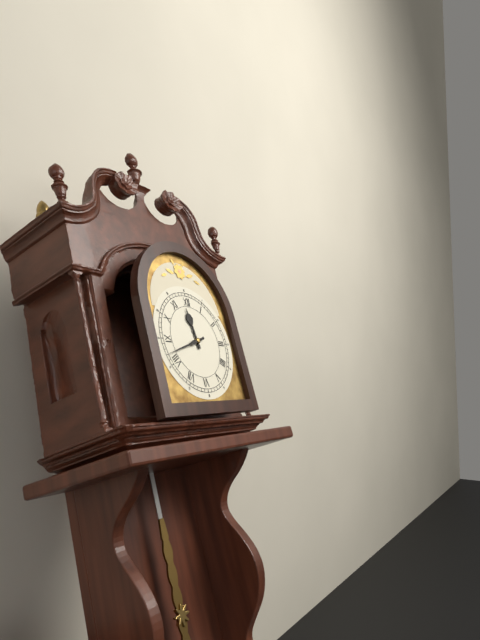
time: 11:42
